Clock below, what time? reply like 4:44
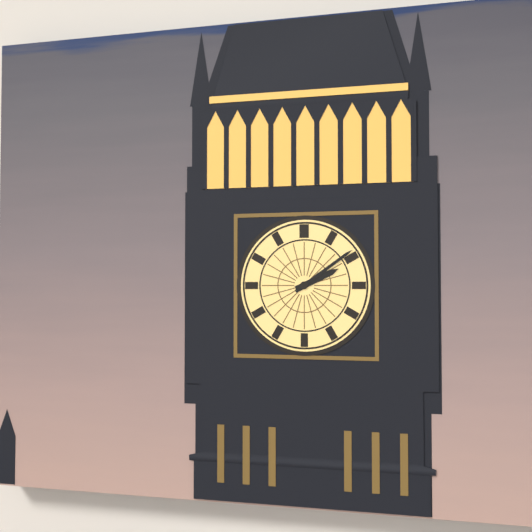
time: 2:09
